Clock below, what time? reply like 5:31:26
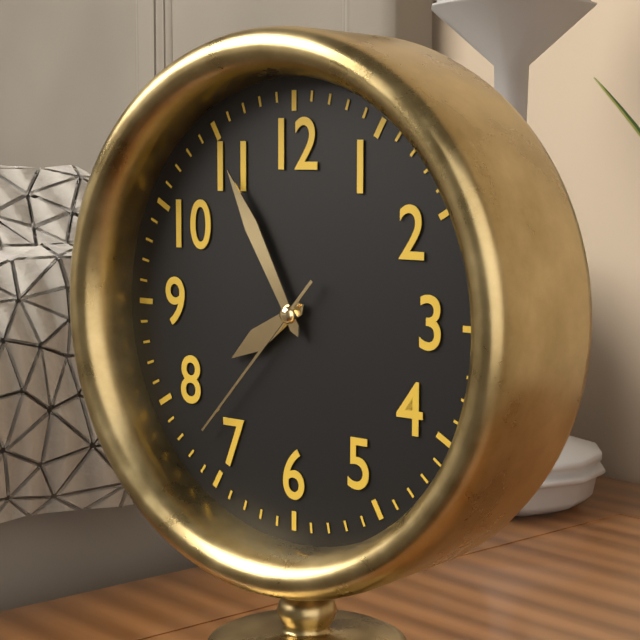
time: 7:55:37
